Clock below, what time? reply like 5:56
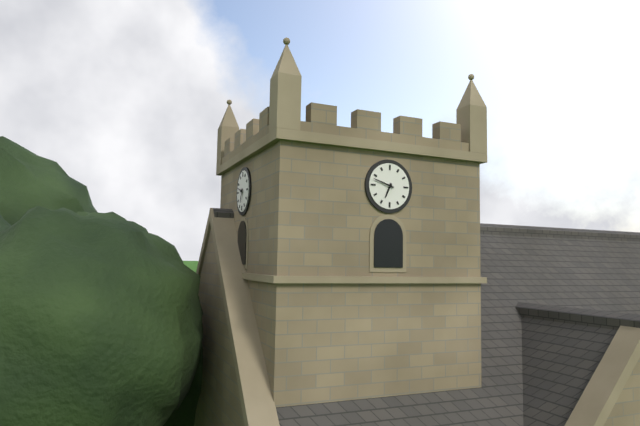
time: 6:48
